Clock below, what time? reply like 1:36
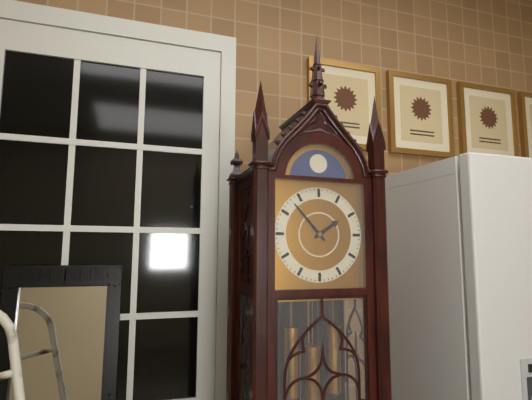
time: 1:53
